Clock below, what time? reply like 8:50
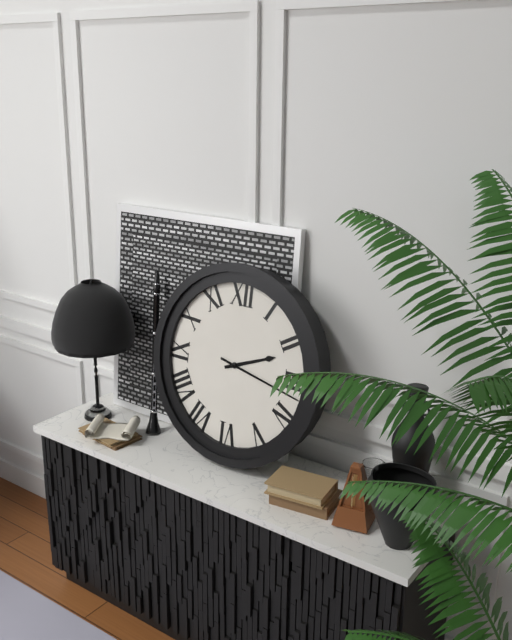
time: 2:17
